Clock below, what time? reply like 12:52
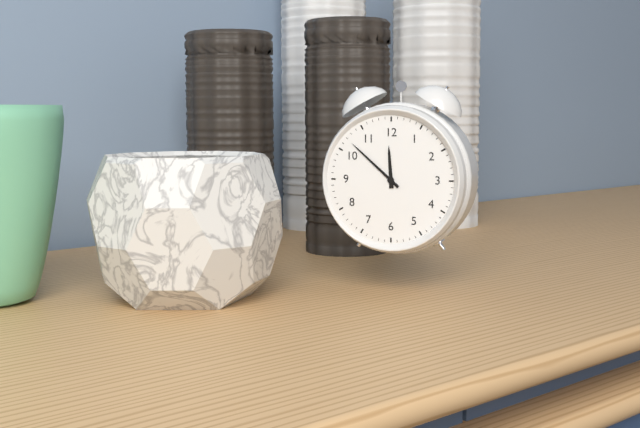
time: 11:52
